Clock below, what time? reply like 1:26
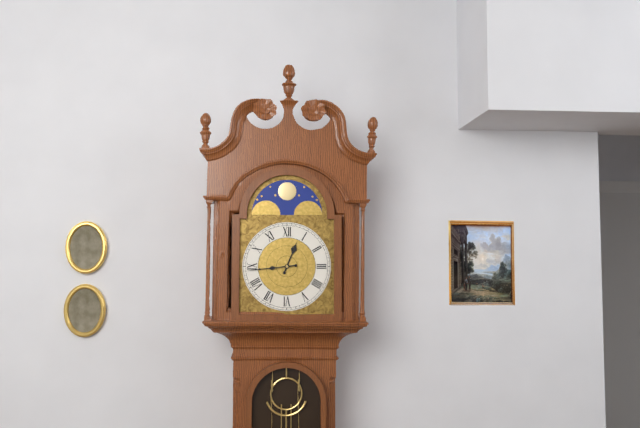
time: 12:44
